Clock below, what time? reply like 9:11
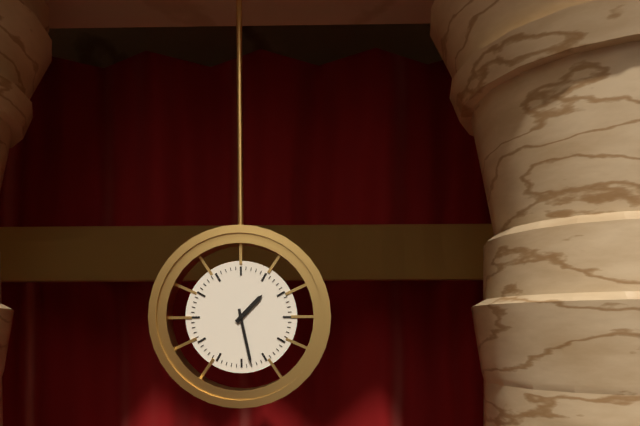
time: 1:28
